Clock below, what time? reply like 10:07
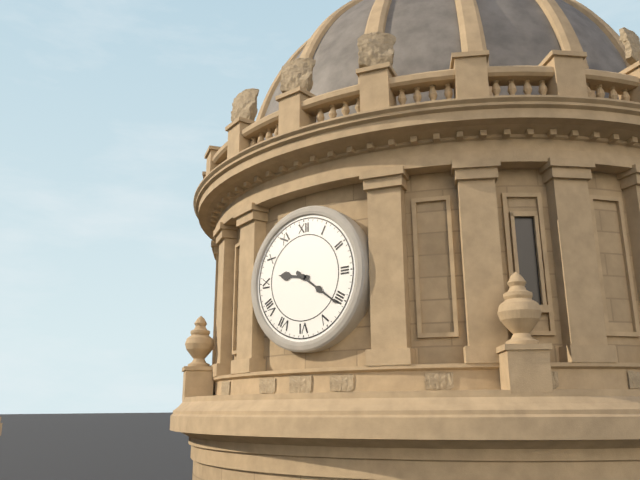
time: 9:21
